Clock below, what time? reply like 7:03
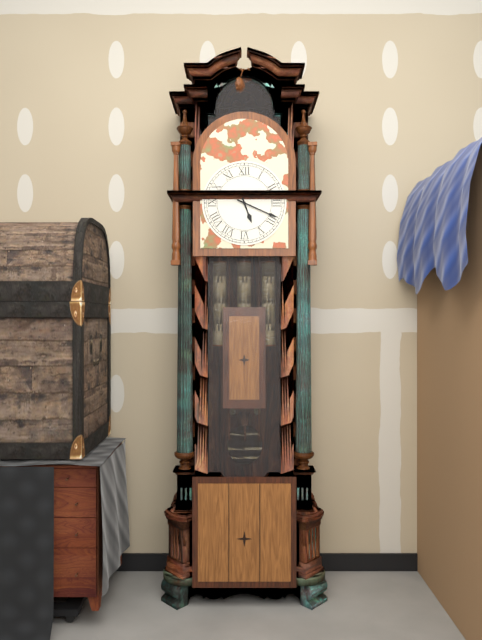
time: 5:19
